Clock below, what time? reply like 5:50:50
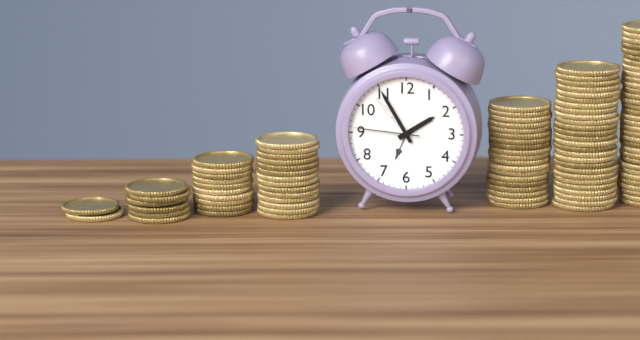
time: 1:55:46
